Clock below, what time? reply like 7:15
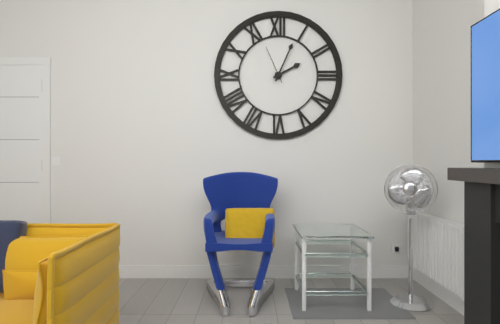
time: 2:04
